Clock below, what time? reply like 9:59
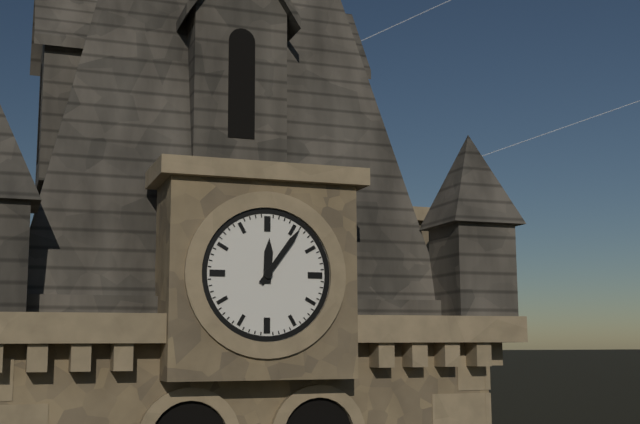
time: 12:06
